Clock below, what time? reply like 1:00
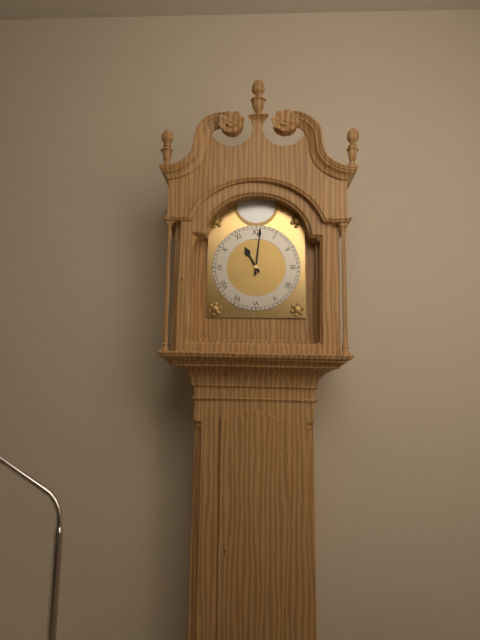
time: 11:01
